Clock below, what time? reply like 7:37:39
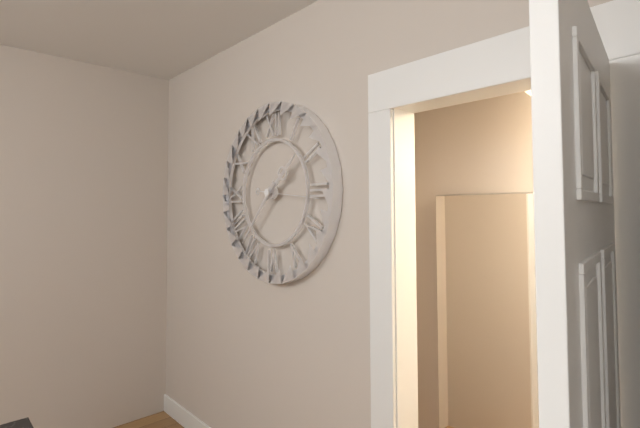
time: 1:37:16
